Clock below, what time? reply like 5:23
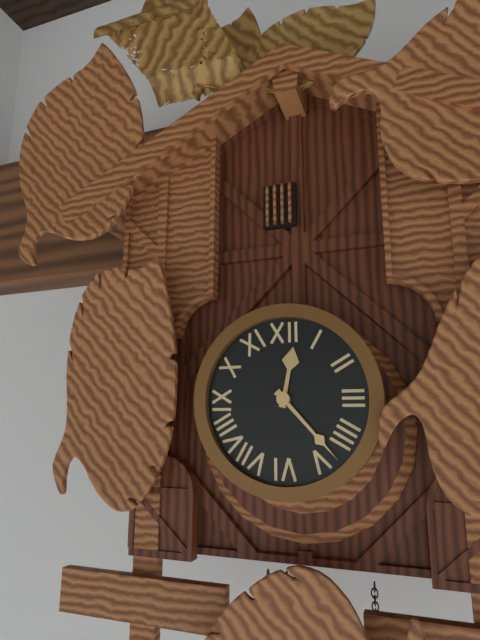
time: 12:23
